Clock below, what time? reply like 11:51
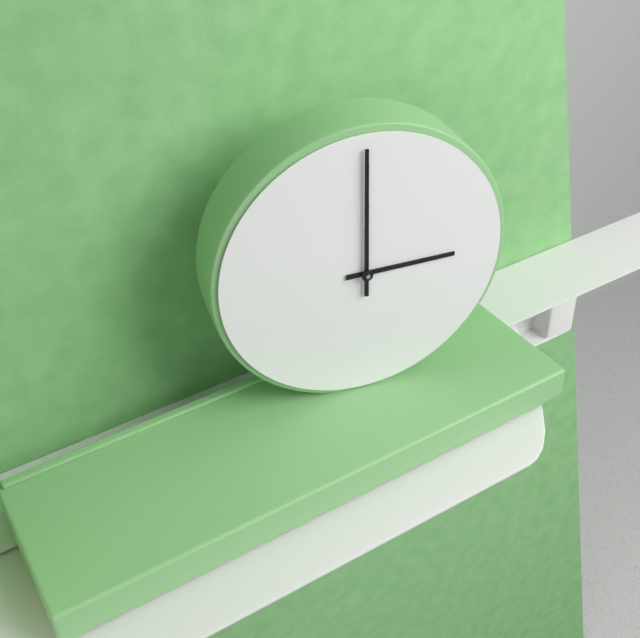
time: 3:00
